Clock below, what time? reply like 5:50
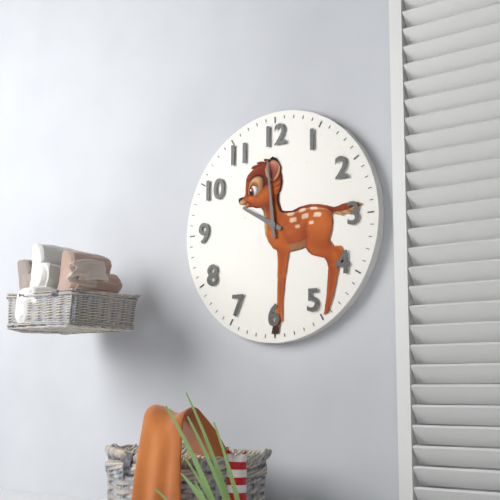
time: 9:59
